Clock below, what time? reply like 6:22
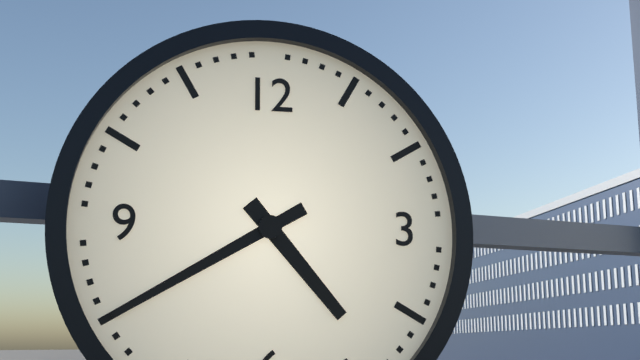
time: 4:40
